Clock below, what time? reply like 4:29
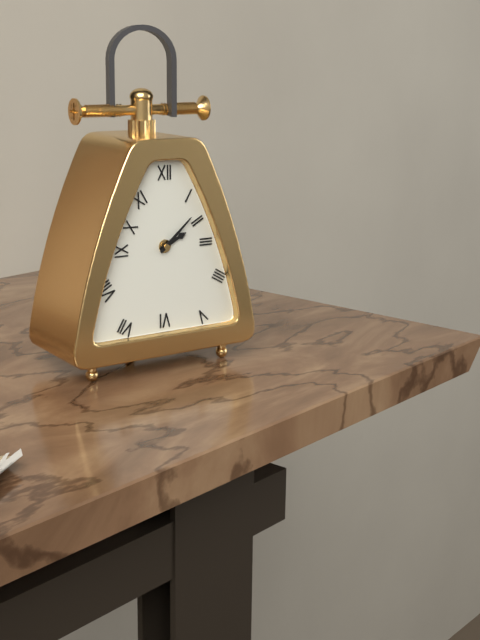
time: 2:08
